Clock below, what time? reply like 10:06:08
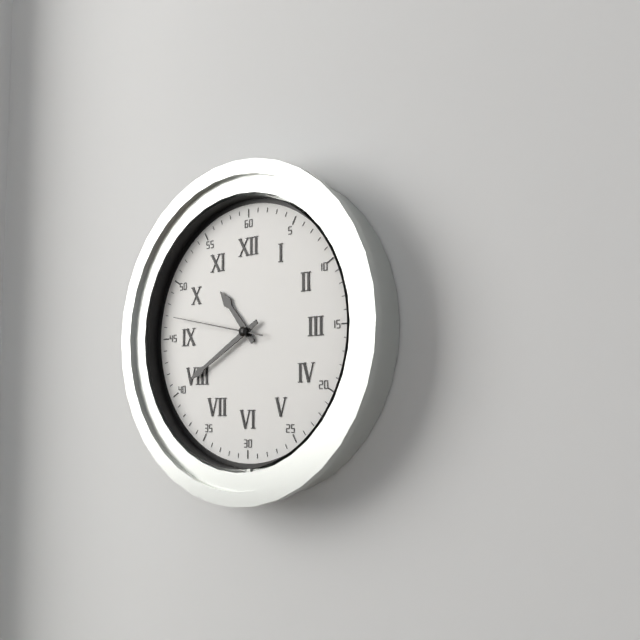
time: 10:40:47
